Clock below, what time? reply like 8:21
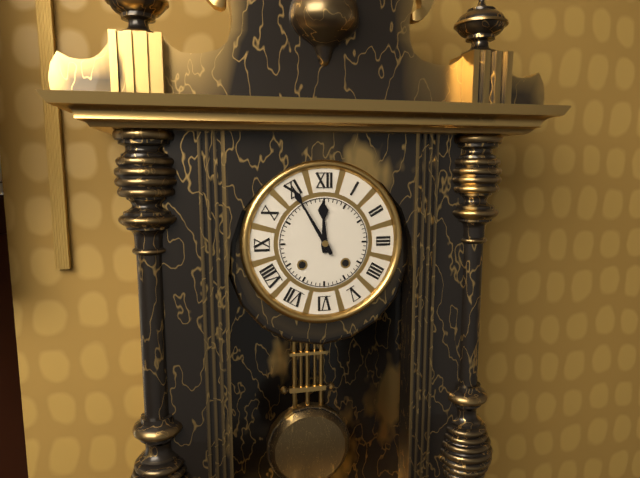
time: 11:55
